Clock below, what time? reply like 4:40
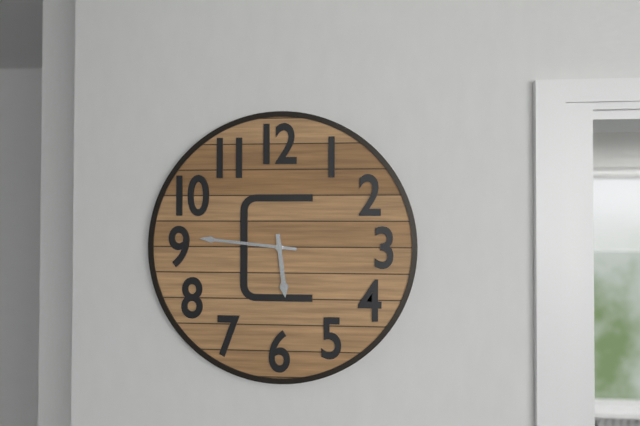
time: 5:46
